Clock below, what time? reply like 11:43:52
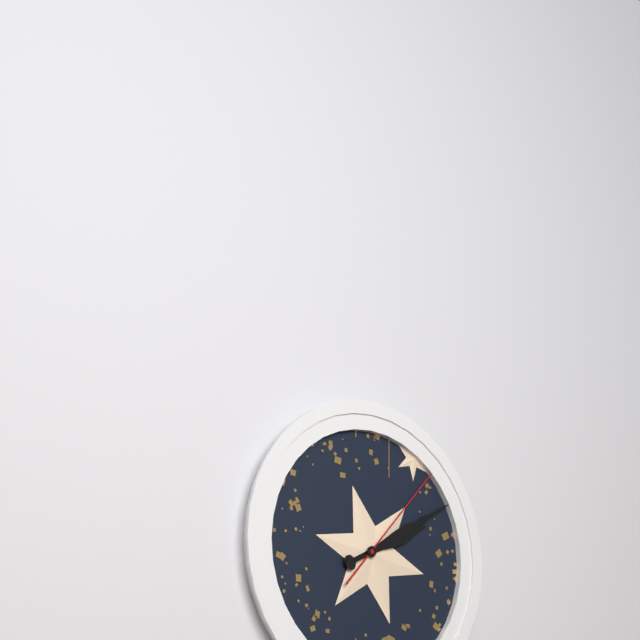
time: 2:10:07
